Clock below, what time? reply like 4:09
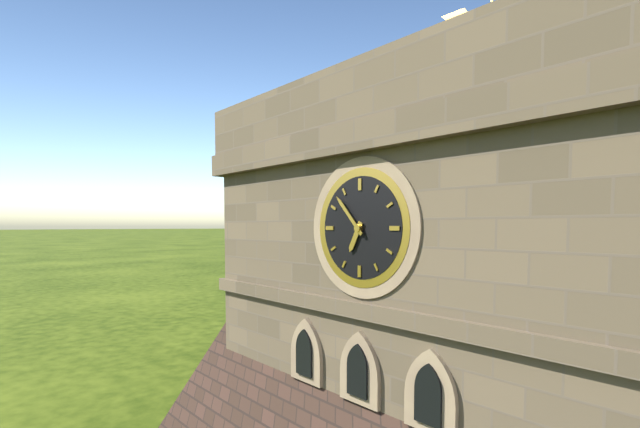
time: 6:53
